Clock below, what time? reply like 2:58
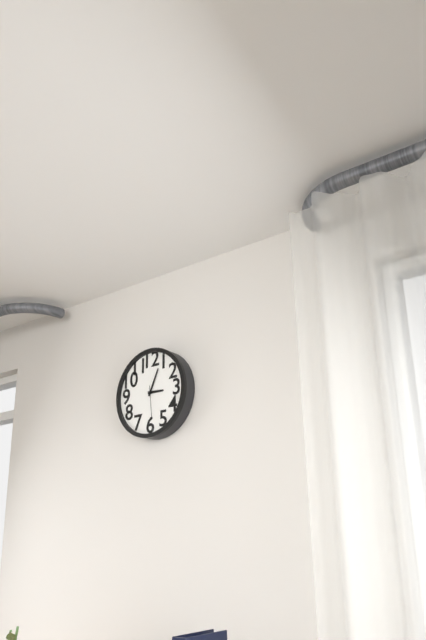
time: 3:04
